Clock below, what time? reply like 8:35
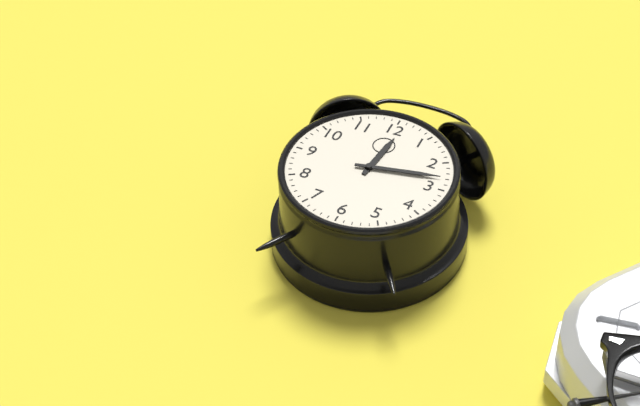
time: 12:13
